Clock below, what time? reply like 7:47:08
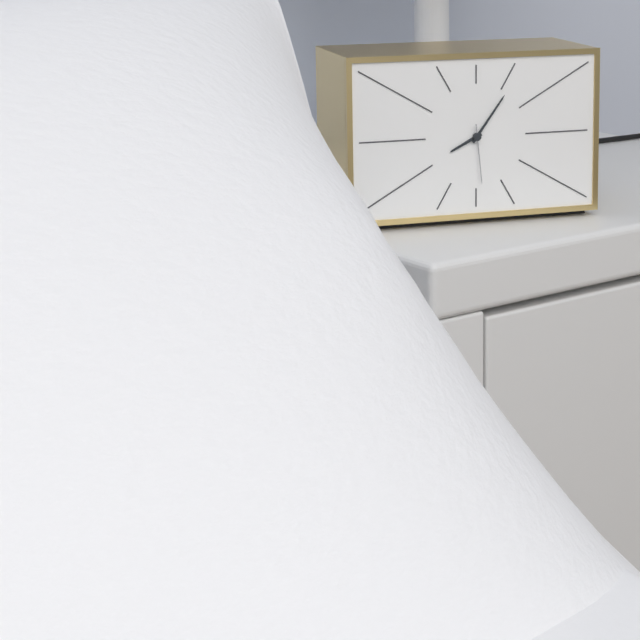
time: 8:06:29
